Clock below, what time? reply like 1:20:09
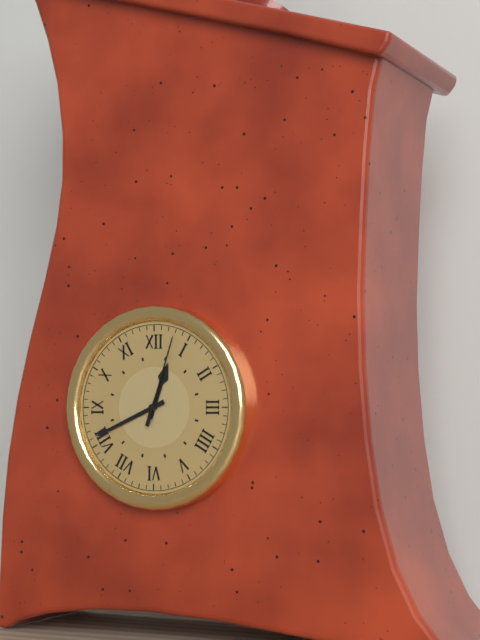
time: 12:41:03
